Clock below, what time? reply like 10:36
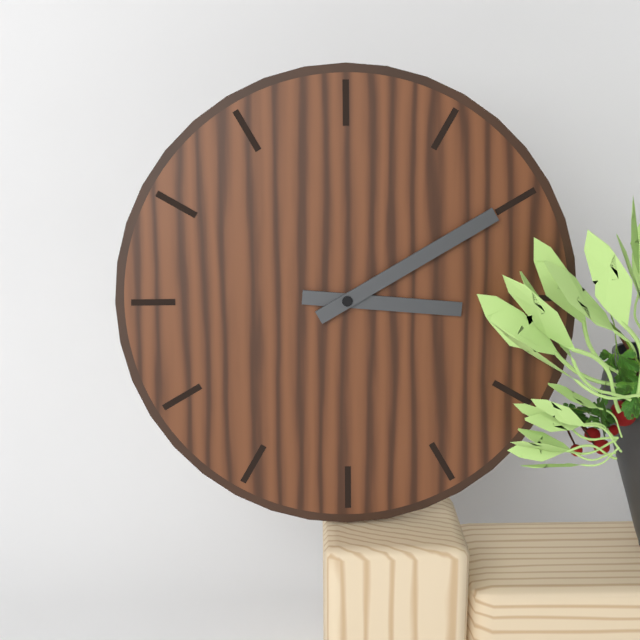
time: 3:10
